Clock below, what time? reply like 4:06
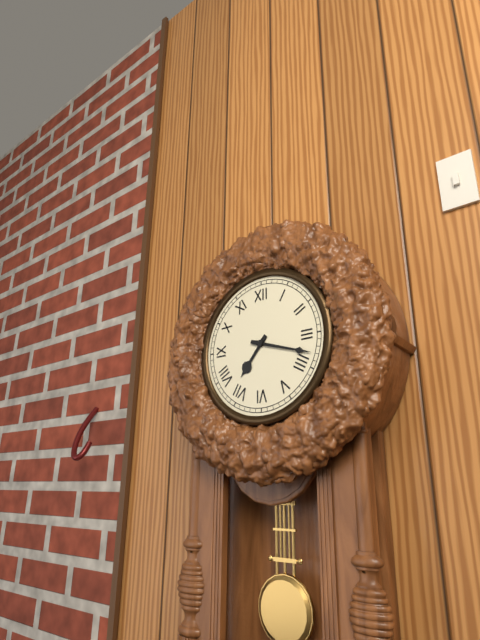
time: 7:18
